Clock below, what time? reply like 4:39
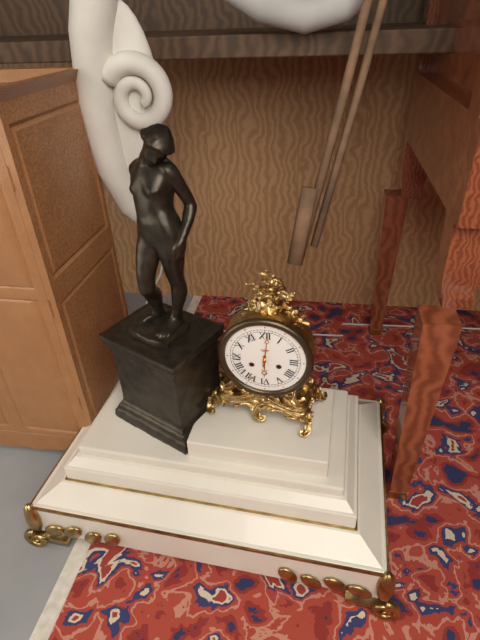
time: 6:01
